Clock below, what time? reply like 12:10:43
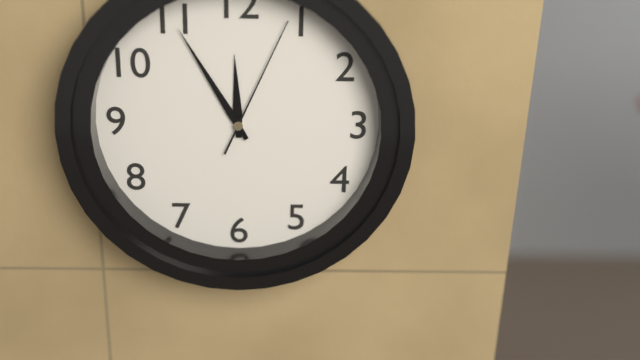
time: 11:55:04
